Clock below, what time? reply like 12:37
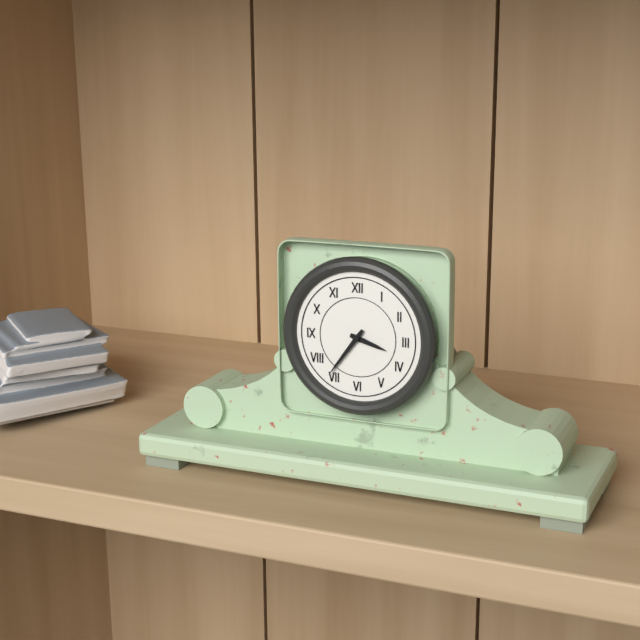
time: 3:36
